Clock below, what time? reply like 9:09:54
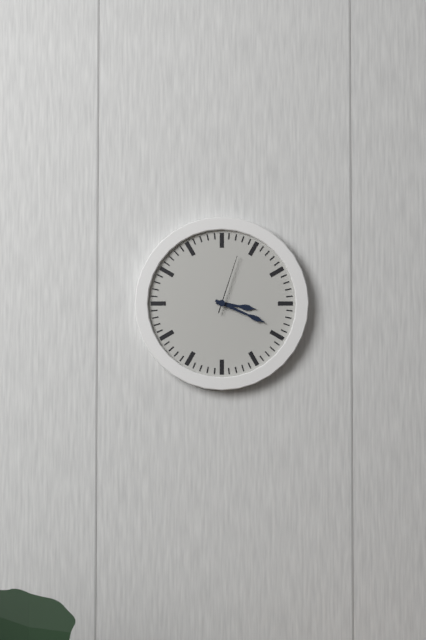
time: 3:19:03
